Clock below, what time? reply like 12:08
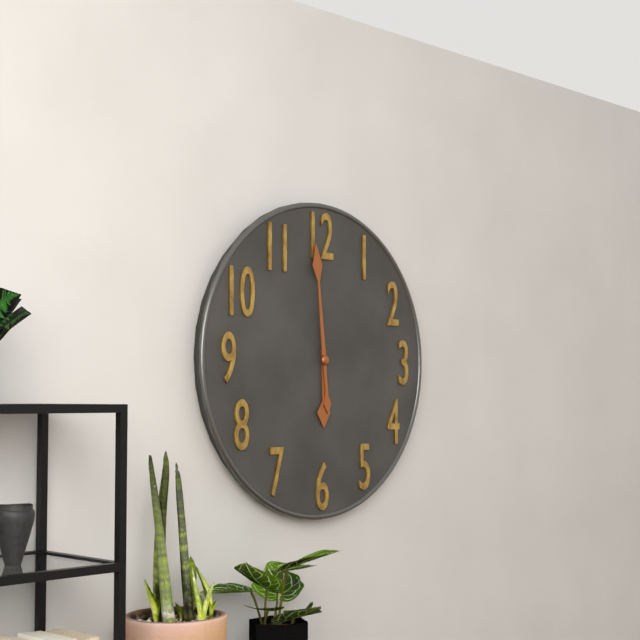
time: 5:59
